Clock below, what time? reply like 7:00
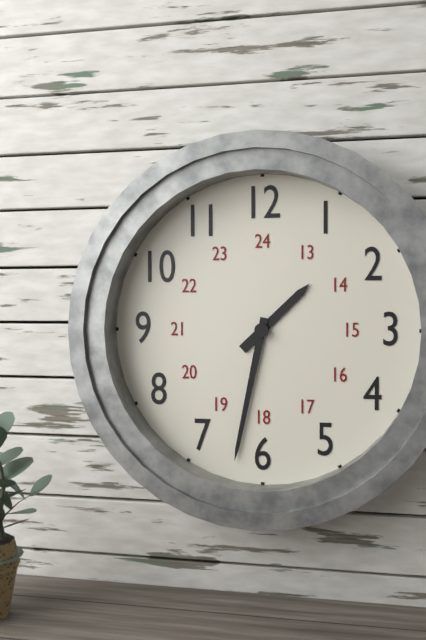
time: 1:32
